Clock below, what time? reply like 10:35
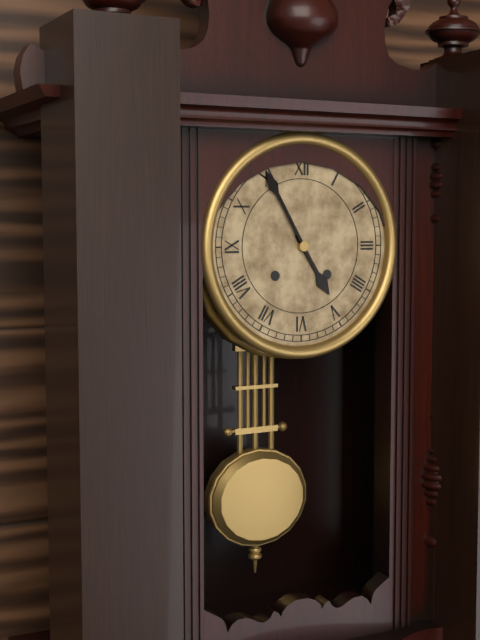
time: 4:55
